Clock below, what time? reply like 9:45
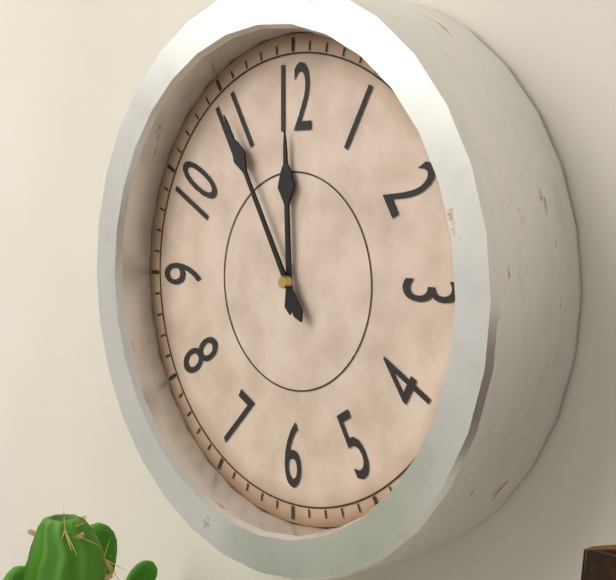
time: 11:55
